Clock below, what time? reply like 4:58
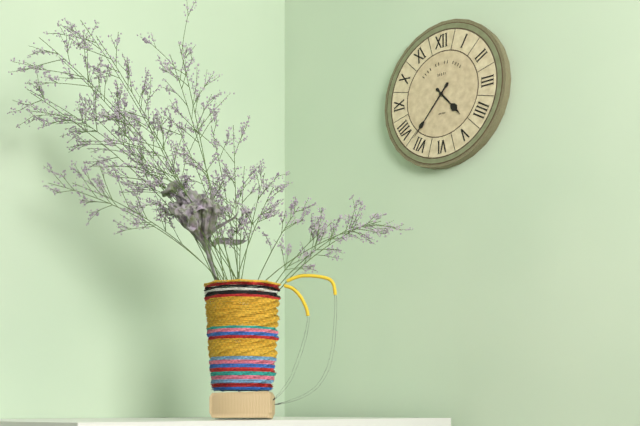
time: 4:37
